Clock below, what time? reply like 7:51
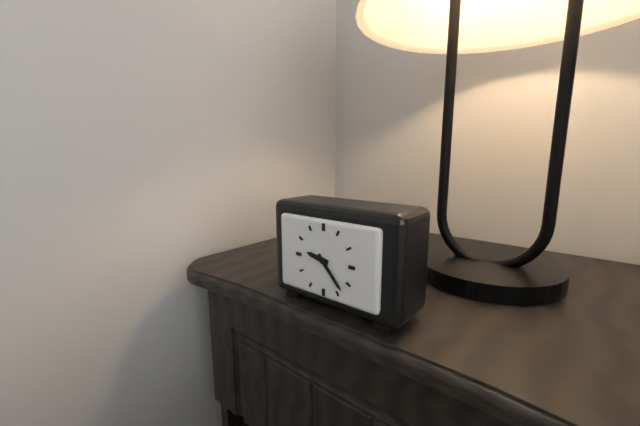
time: 9:23
